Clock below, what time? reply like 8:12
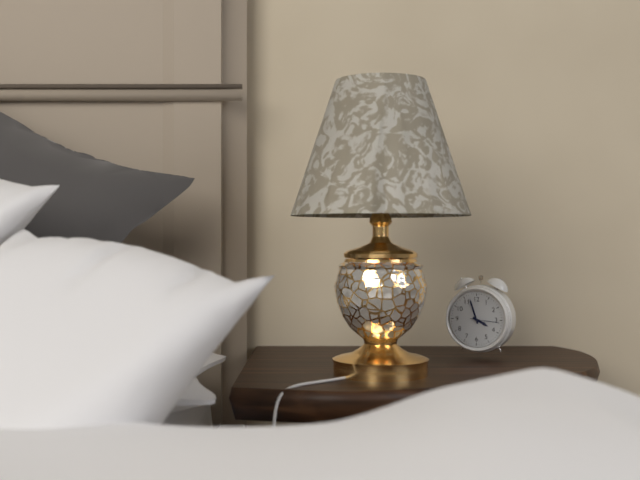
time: 3:57
